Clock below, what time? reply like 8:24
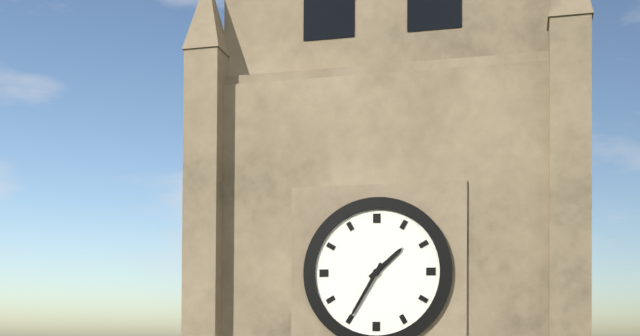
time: 1:35
